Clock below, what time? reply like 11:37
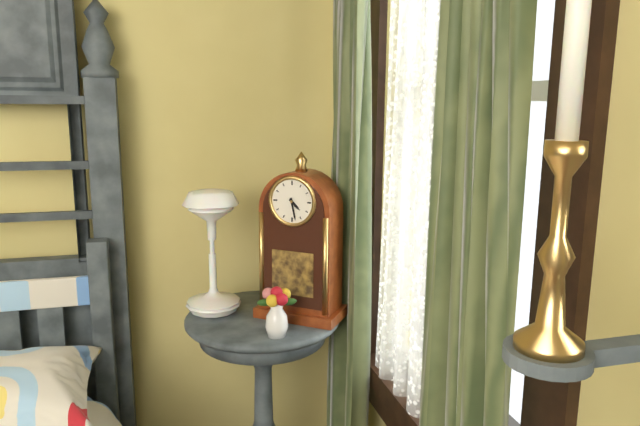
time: 4:28
